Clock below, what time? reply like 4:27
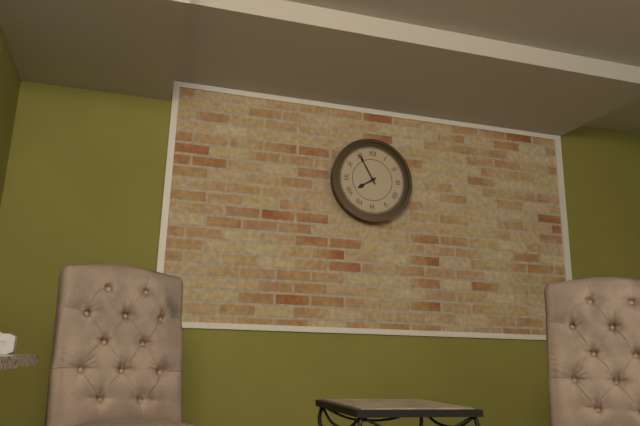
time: 7:55
